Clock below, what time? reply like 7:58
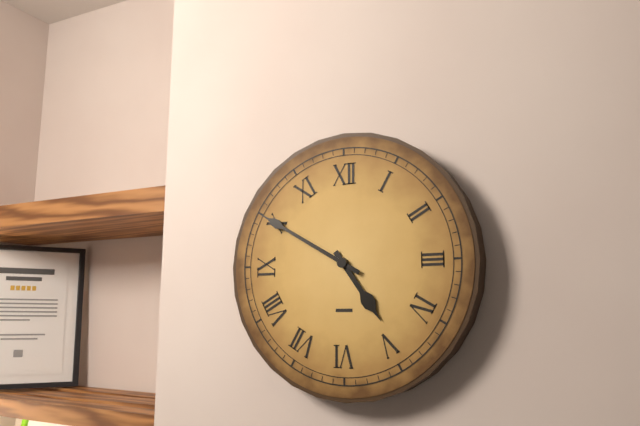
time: 4:50
